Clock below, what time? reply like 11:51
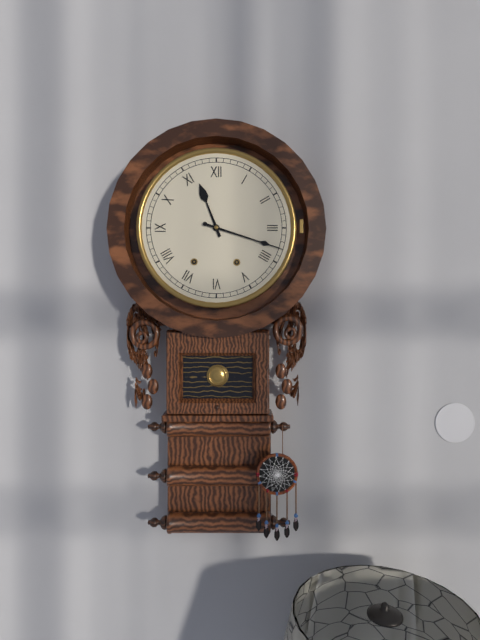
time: 11:18
